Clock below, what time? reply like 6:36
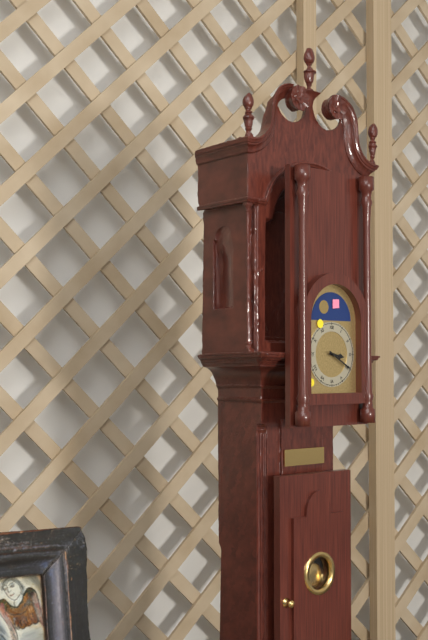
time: 3:20
